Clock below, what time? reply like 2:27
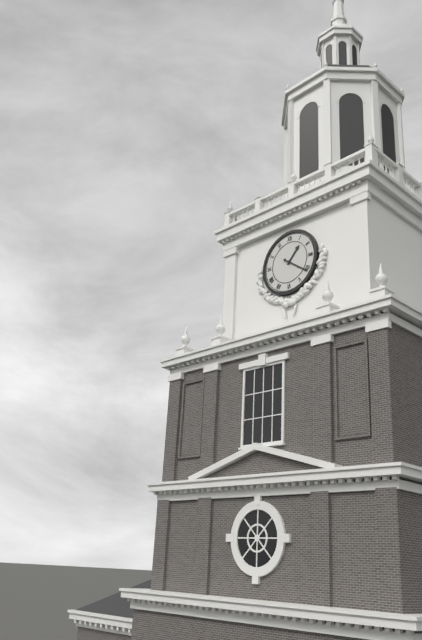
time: 1:21
